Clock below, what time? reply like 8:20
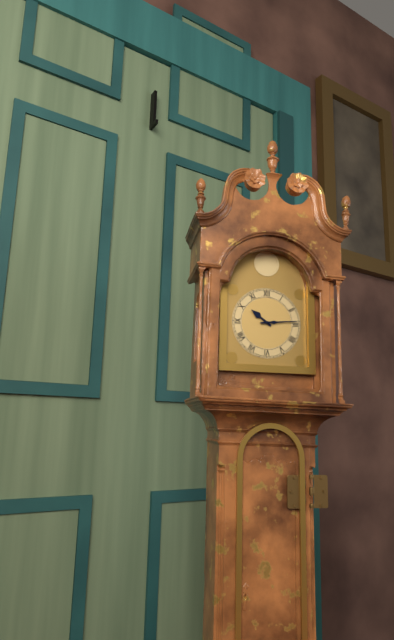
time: 10:14
